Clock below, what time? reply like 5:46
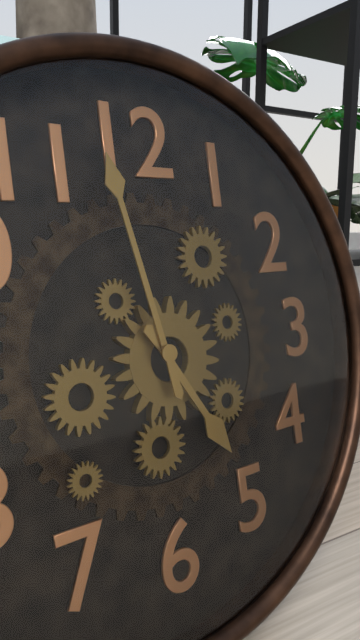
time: 4:58
